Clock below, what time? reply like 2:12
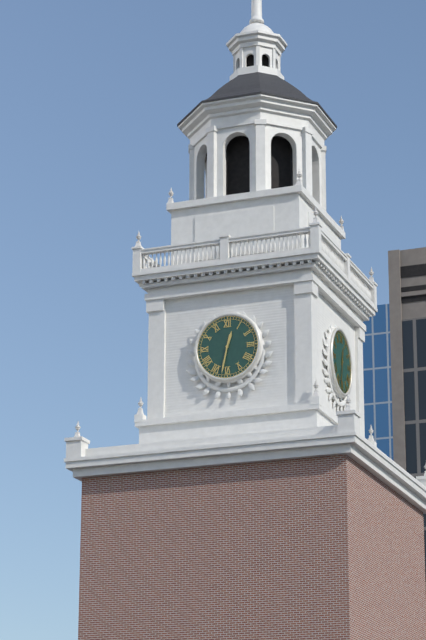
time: 12:32
